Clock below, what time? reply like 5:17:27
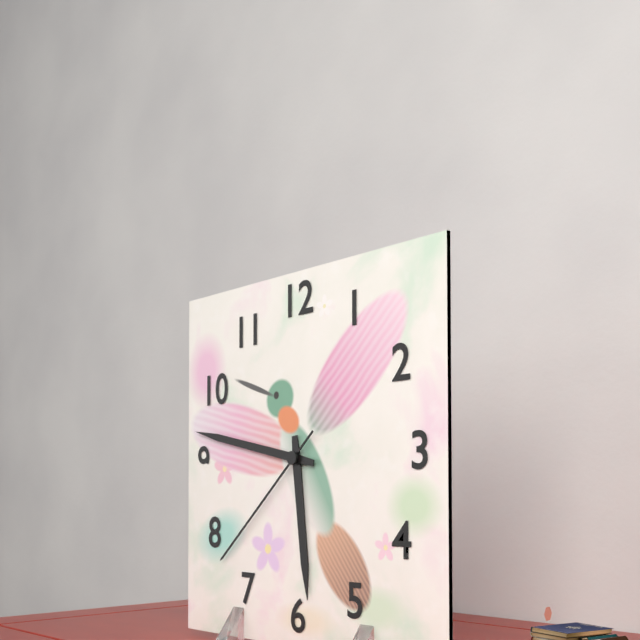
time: 5:47:38
